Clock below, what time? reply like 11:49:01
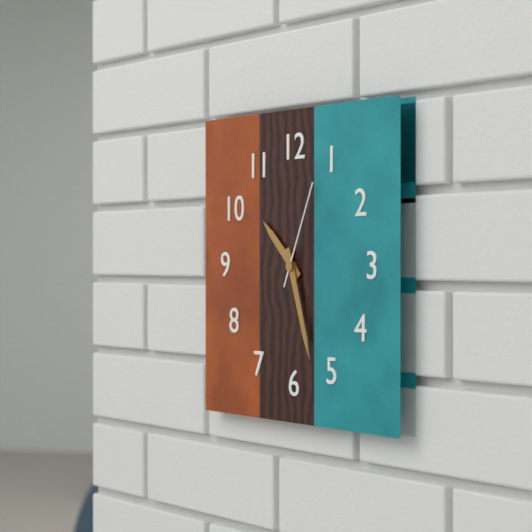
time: 10:27:04
